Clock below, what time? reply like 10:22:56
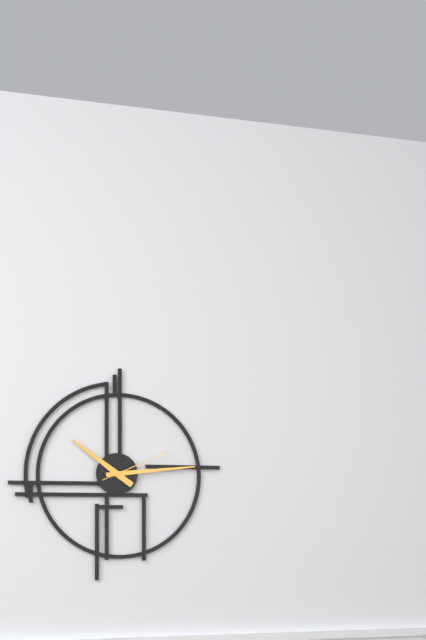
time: 10:14:11
